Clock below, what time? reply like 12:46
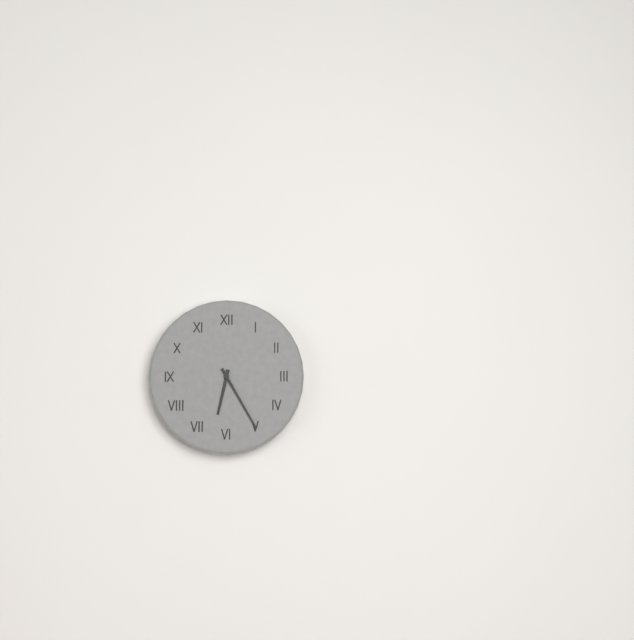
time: 6:25
